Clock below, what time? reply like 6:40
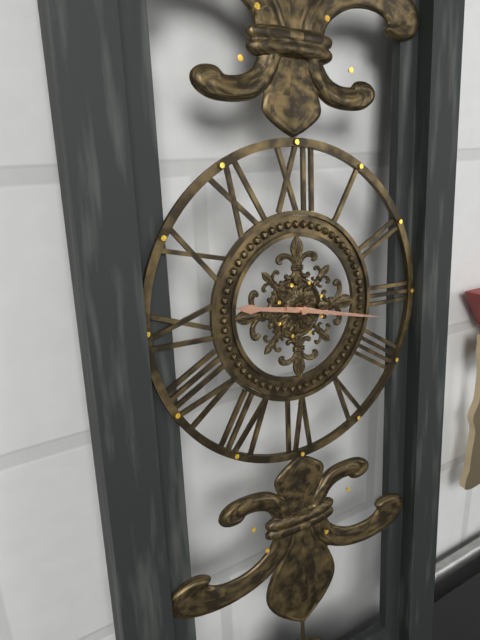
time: 9:17
